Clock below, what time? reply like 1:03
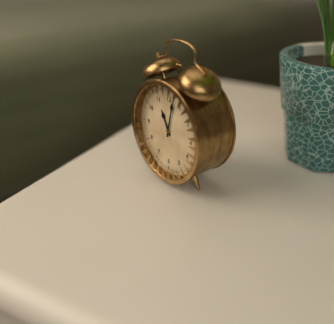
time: 11:02
